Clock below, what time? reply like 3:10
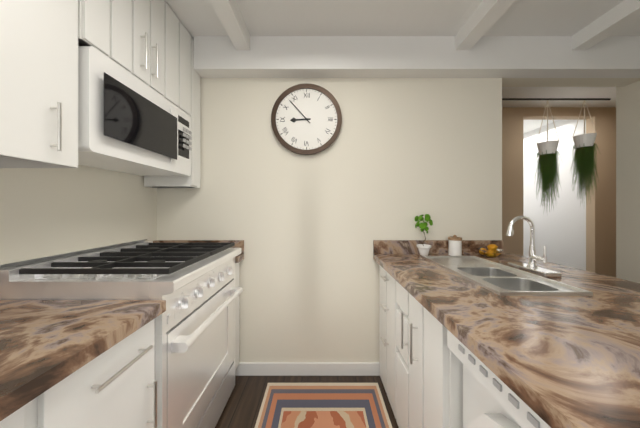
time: 8:53
